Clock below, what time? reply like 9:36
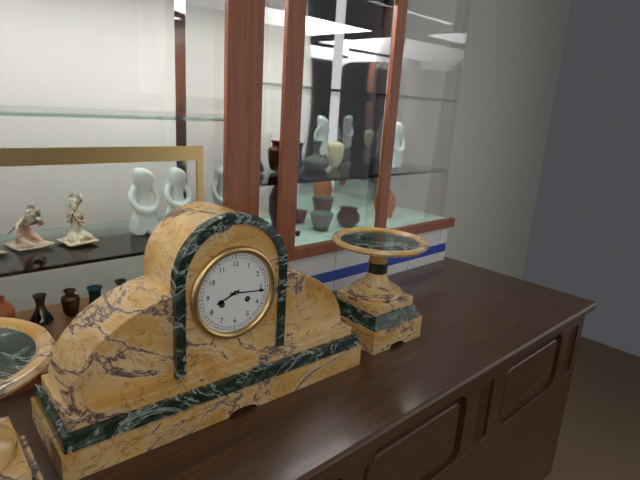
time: 8:16
